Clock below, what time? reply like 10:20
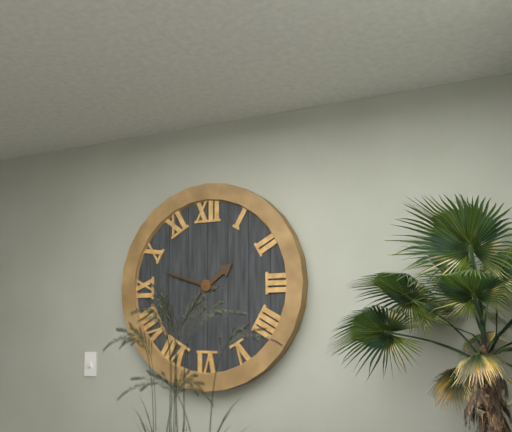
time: 1:48
